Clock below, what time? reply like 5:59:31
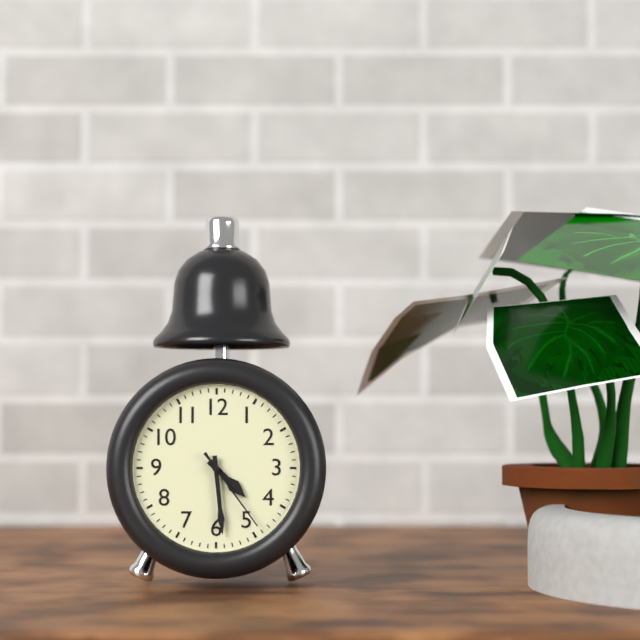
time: 4:29:24
